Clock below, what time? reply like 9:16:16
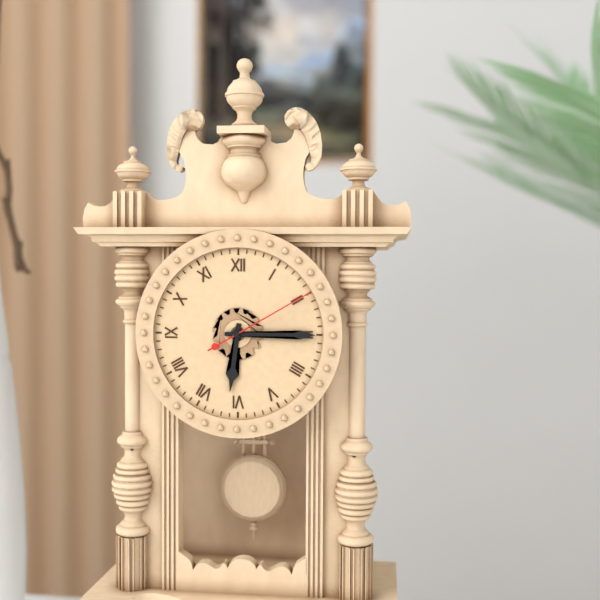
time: 6:15:10
